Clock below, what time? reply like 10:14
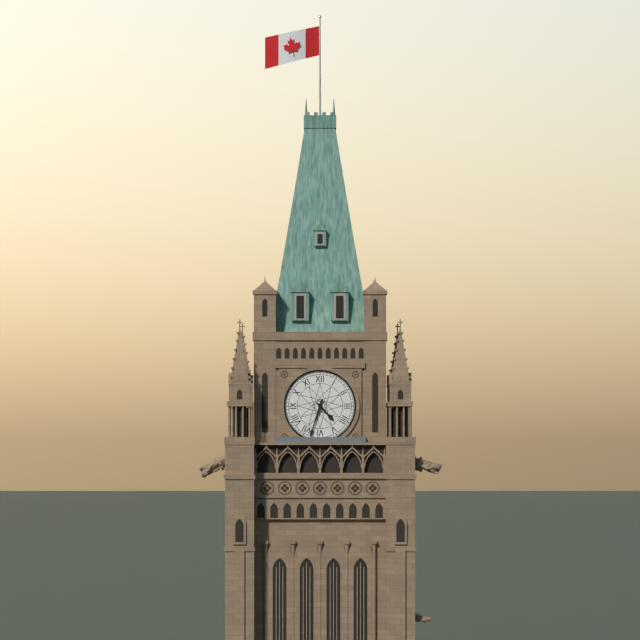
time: 4:33
